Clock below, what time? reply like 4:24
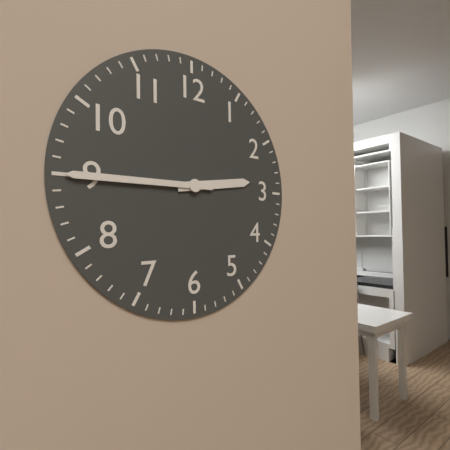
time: 2:45
